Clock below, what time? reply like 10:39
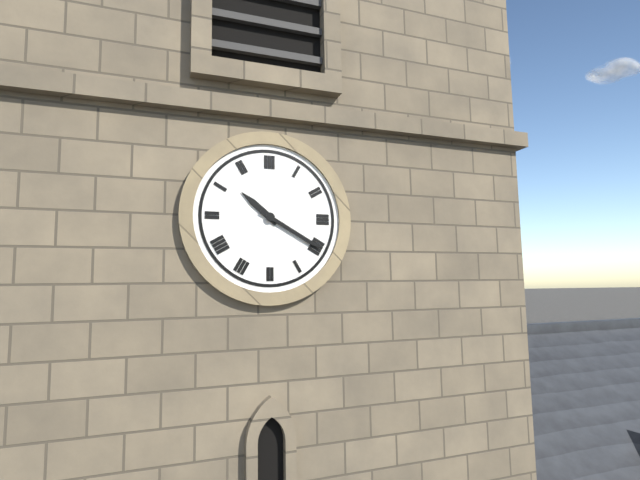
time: 10:20
